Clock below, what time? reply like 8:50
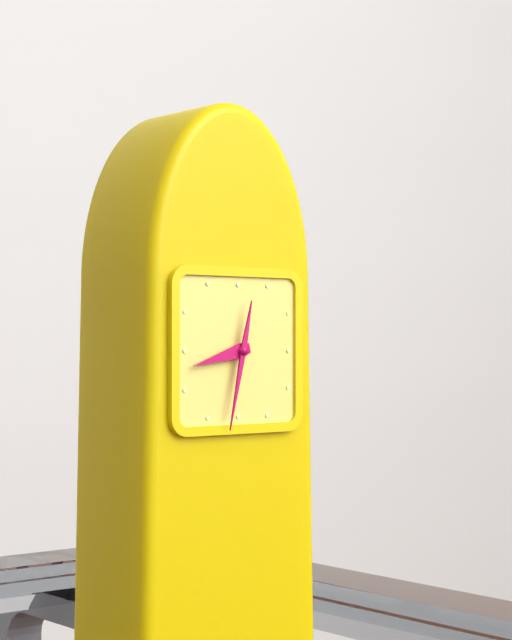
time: 8:32
